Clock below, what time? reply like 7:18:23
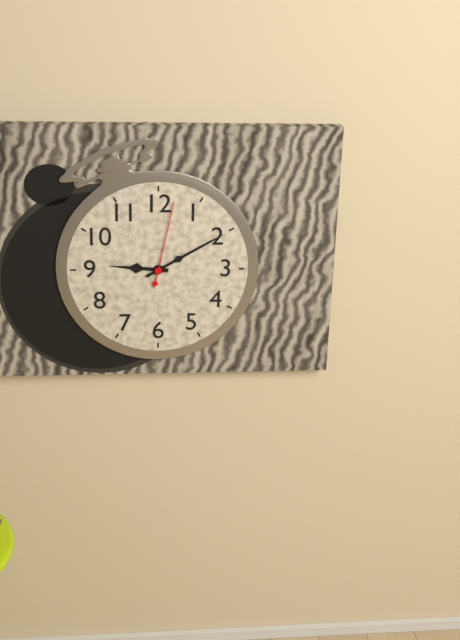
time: 9:10:02
